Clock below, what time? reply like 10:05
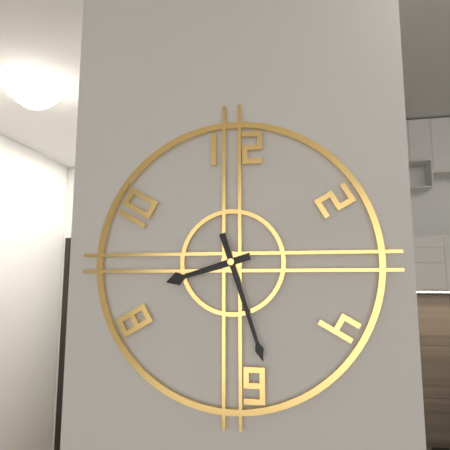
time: 8:27
